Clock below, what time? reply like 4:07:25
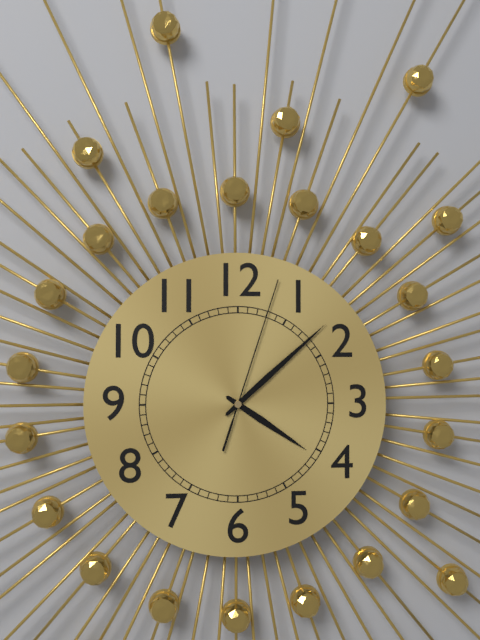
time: 4:08:03
